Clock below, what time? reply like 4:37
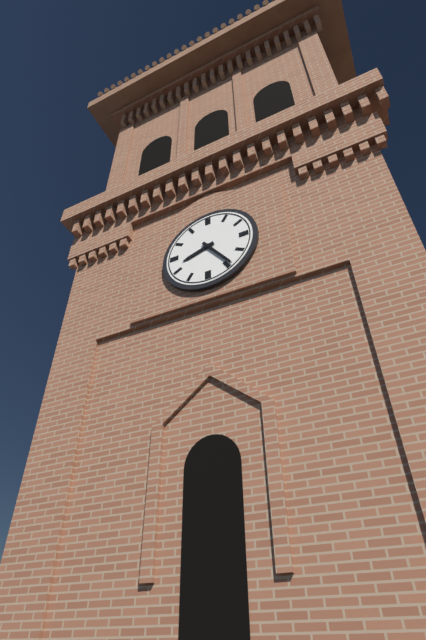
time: 8:24
